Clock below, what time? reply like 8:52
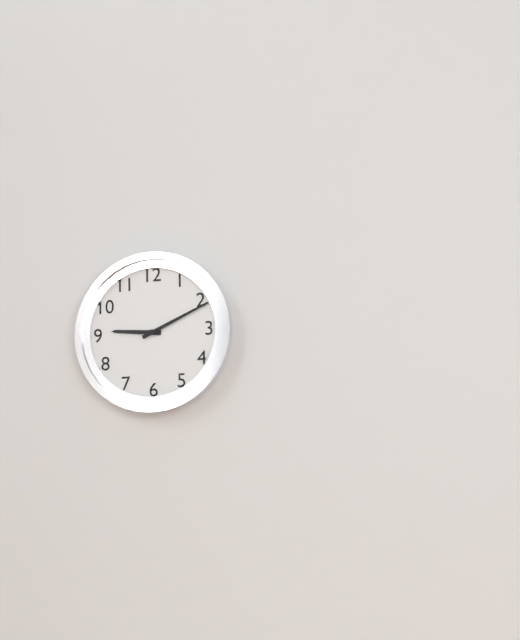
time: 9:11
